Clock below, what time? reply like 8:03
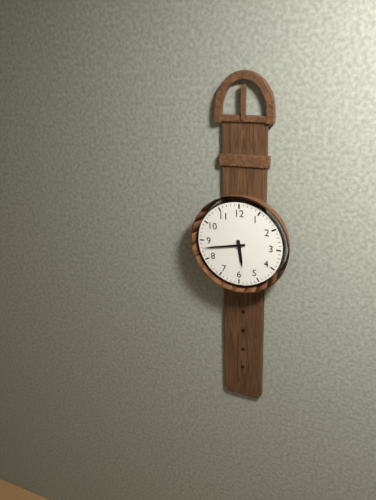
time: 5:43
